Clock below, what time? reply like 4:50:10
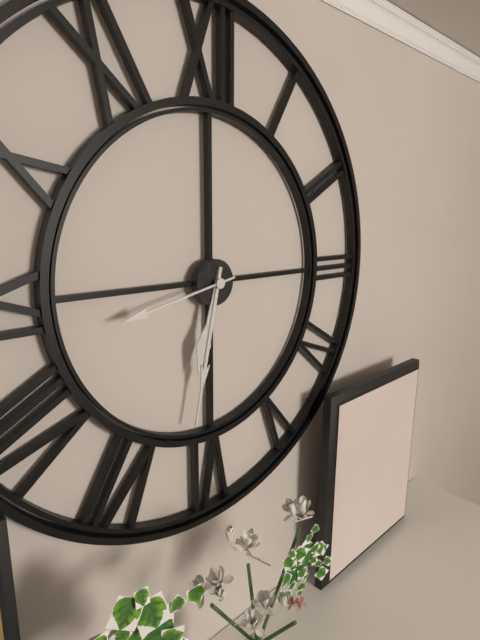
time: 6:32:43
